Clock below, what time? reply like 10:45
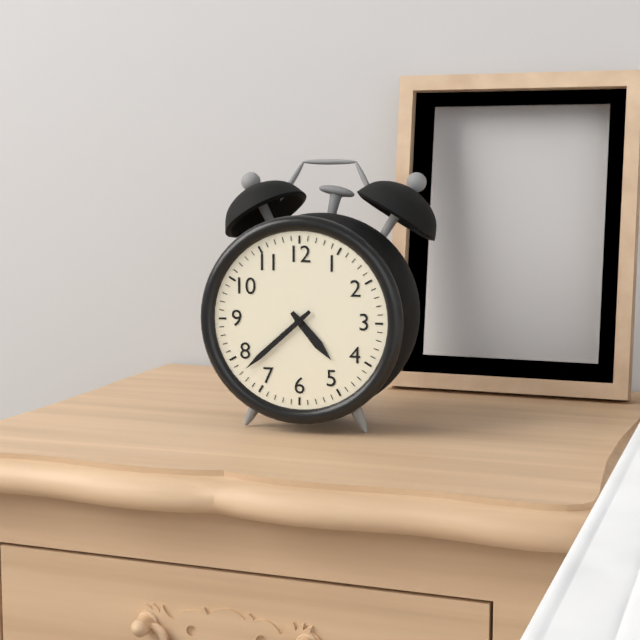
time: 4:38
